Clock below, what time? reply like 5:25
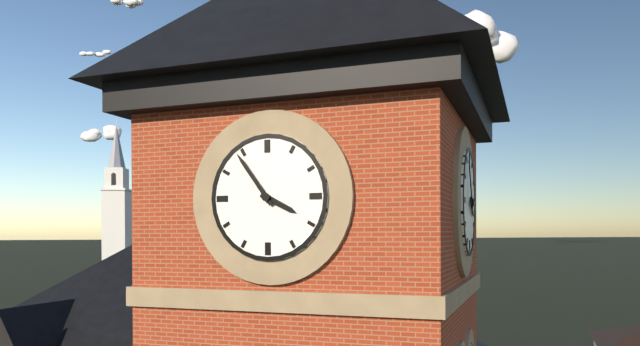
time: 3:54
